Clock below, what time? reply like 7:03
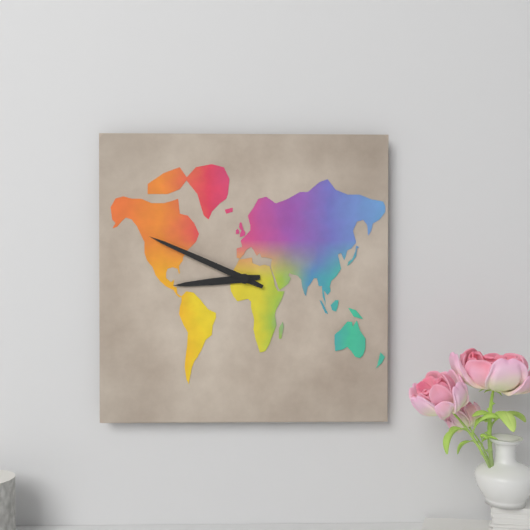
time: 8:49
